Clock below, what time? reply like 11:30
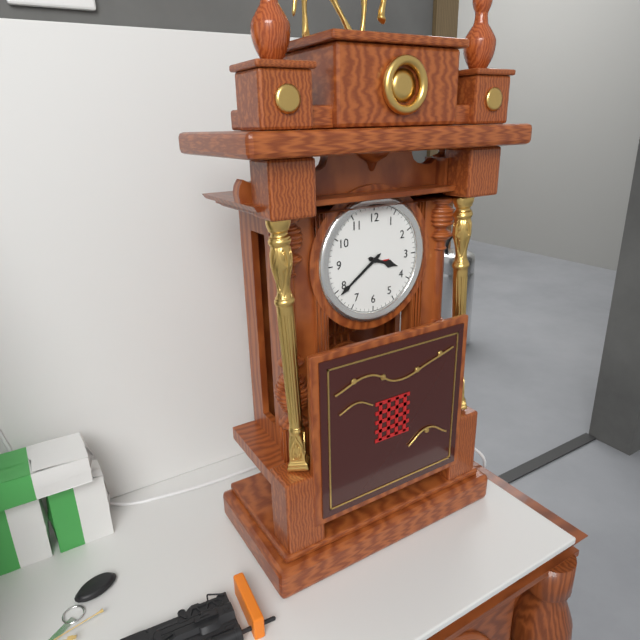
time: 3:39
